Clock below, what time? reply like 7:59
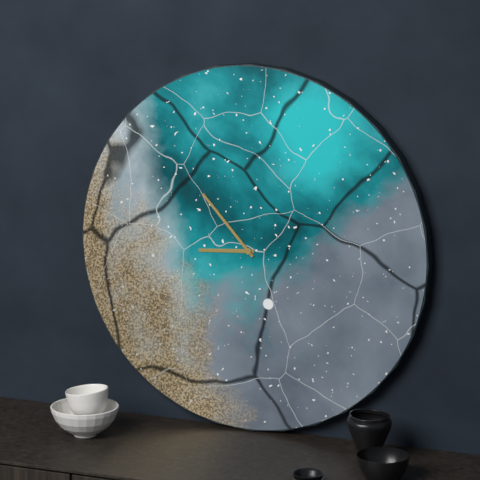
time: 8:53
